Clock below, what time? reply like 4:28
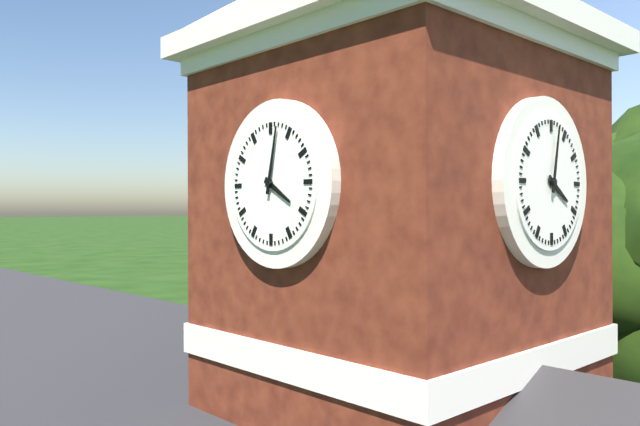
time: 4:02
